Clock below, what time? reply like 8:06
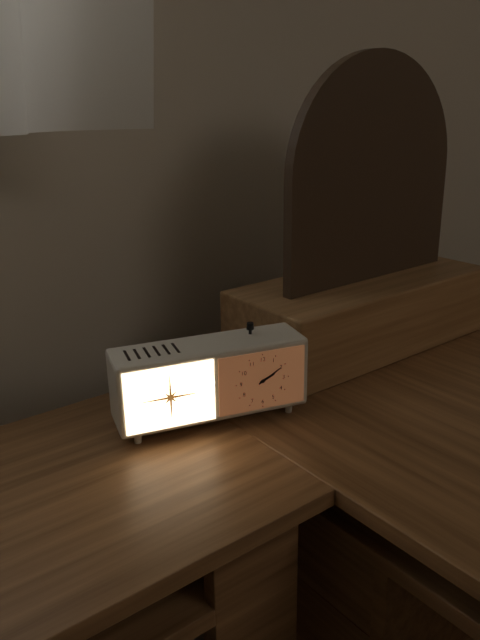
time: 2:10
